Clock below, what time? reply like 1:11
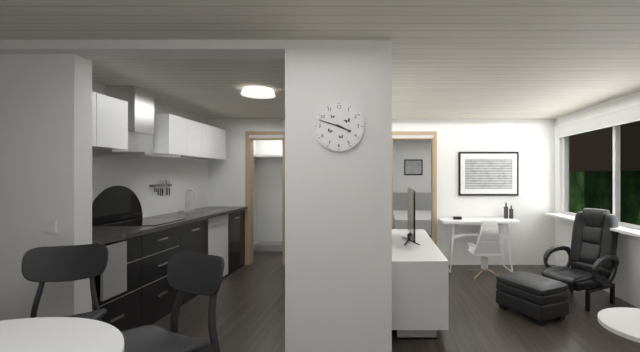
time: 3:48
